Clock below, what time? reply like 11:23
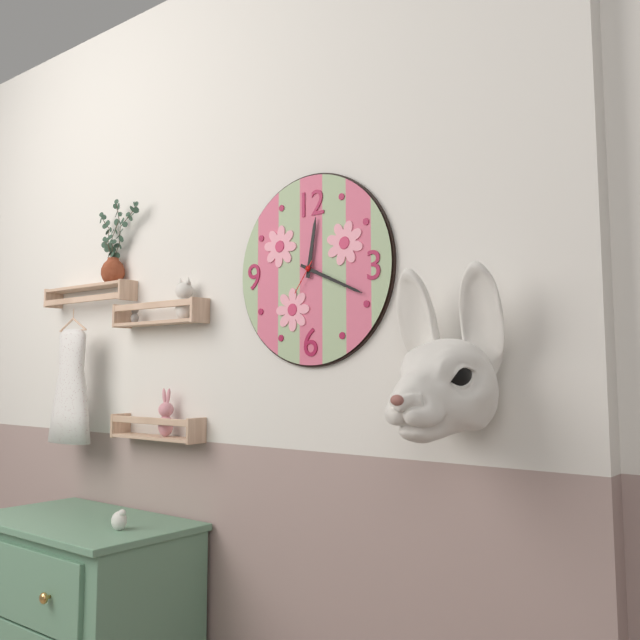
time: 12:19
